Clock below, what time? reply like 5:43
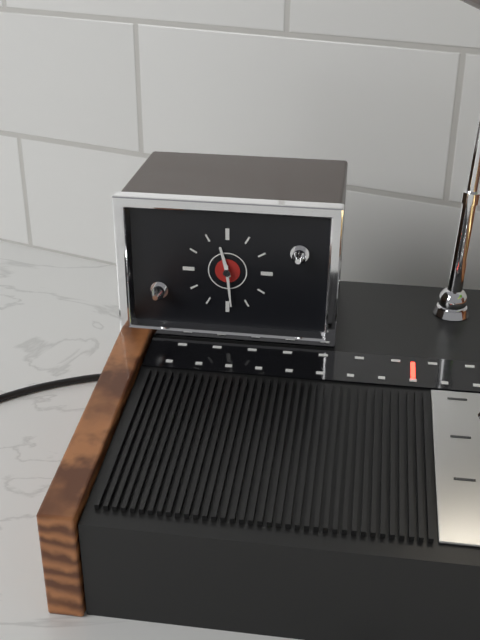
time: 11:29
